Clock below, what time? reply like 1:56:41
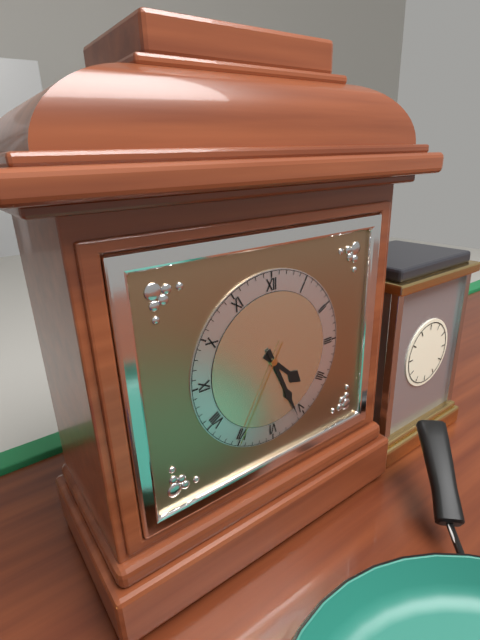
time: 4:26:35
